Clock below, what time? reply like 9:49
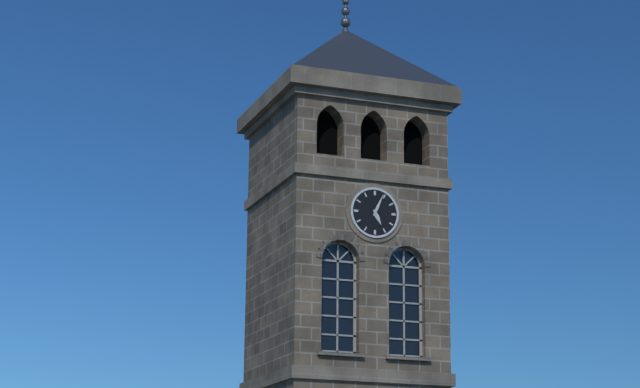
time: 5:04
